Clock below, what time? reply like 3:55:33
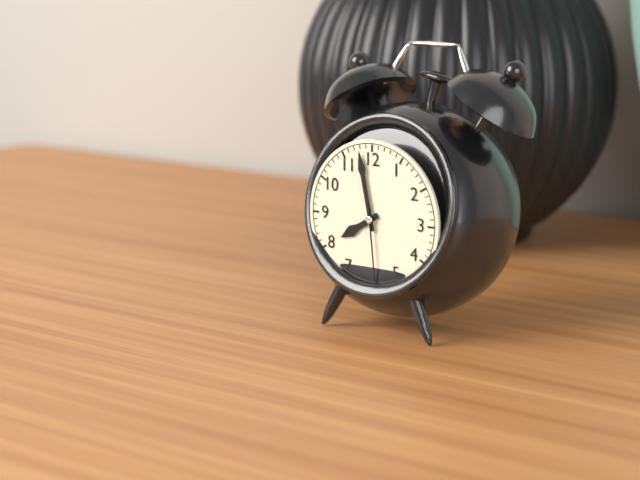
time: 7:58:29
